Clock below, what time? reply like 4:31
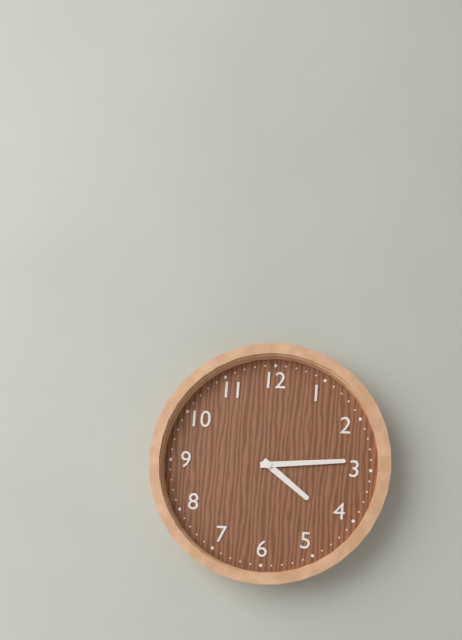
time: 4:14
